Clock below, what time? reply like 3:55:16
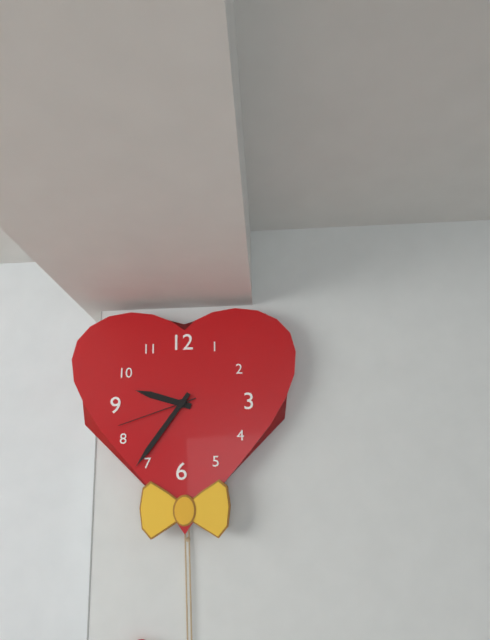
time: 9:36:42
